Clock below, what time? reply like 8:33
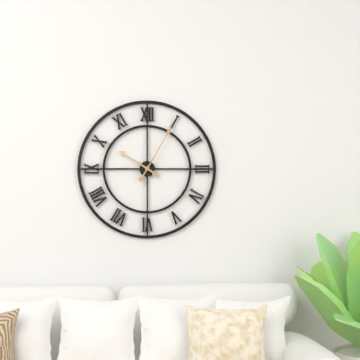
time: 10:05
